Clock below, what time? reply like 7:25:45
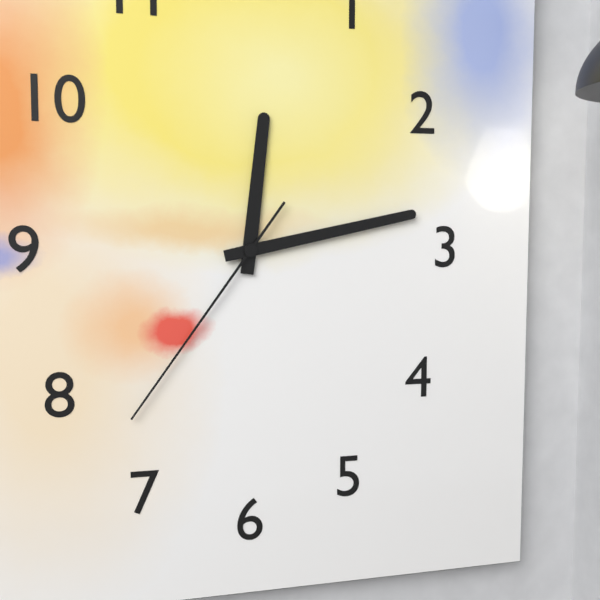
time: 12:13:36
